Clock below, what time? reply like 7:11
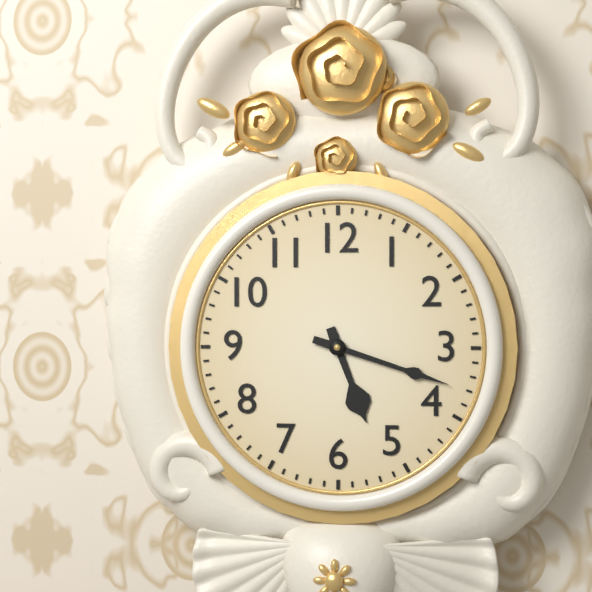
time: 5:18
